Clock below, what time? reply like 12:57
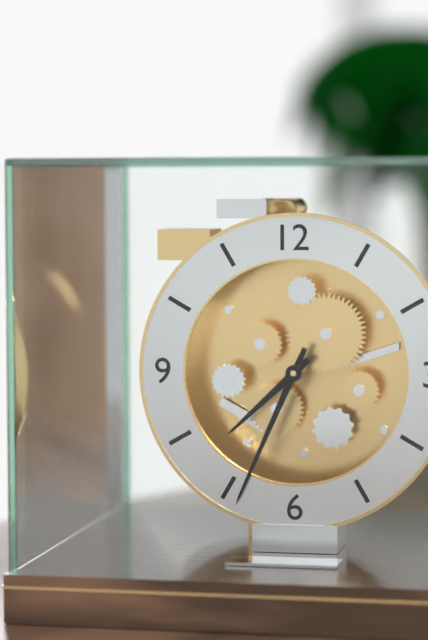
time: 7:34
